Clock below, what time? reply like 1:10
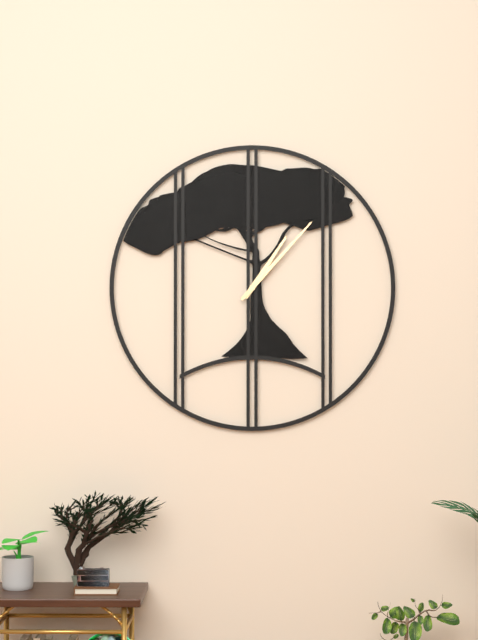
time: 1:07
